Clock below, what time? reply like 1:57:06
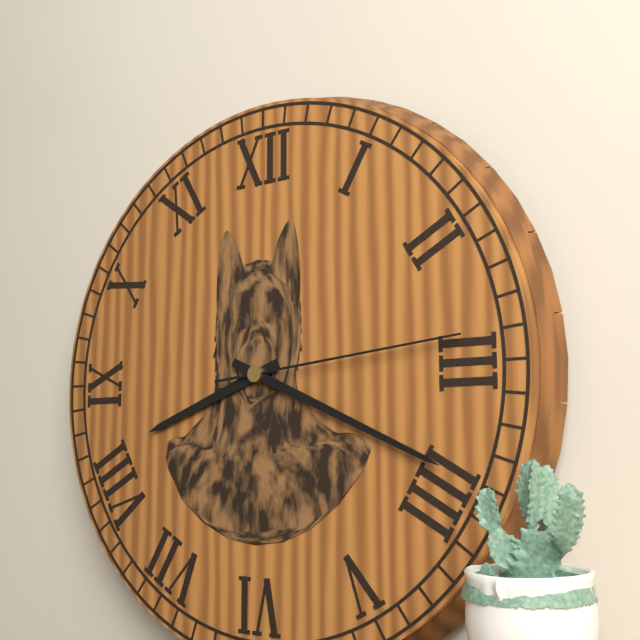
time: 8:19:14
